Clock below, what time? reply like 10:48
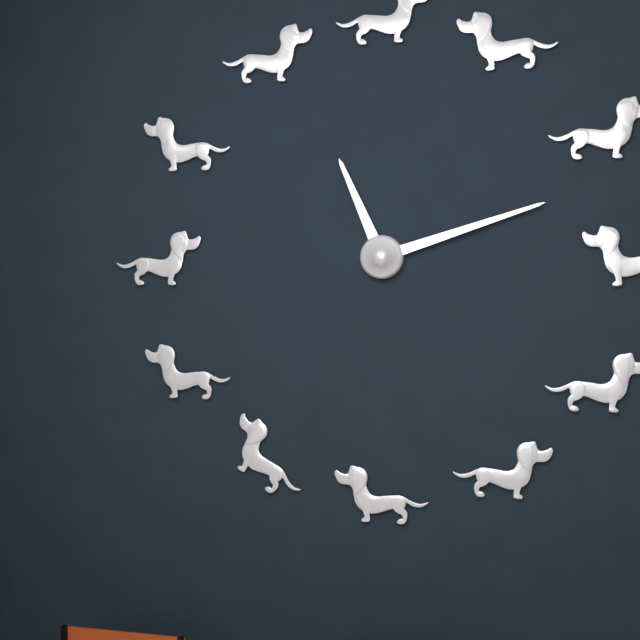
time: 11:12
